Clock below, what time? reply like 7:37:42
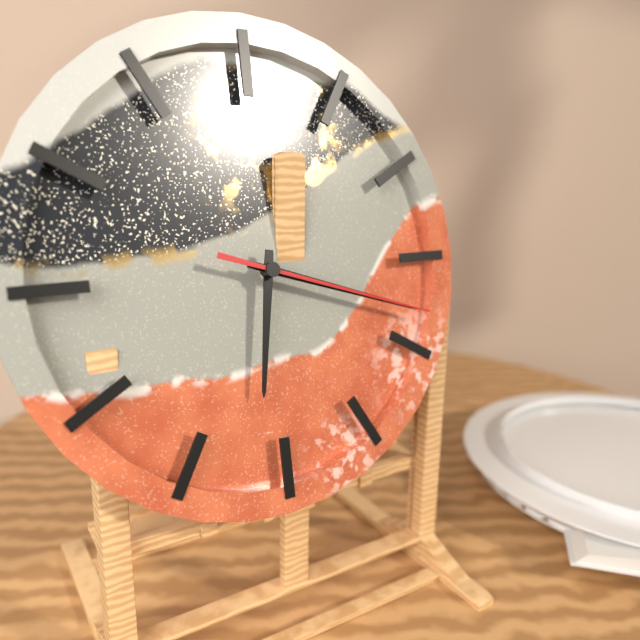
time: 6:18:18
